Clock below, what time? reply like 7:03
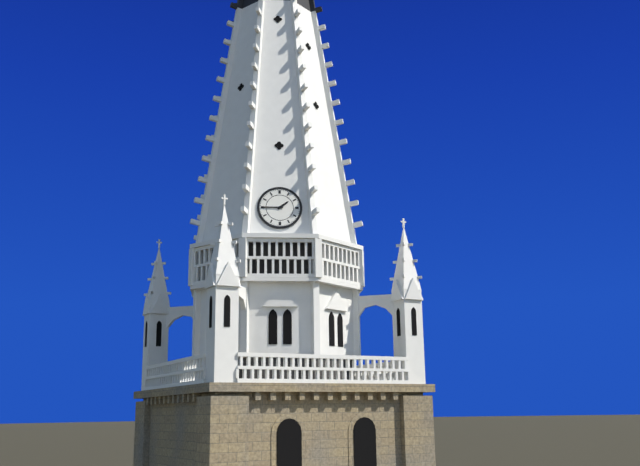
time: 1:45
